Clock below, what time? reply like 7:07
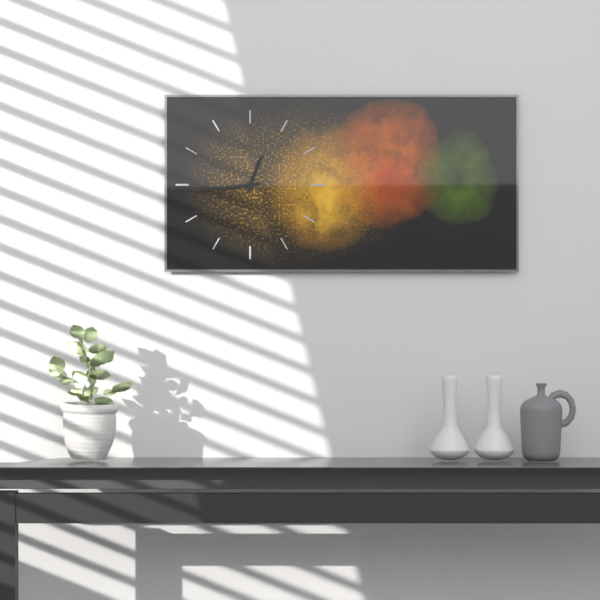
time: 12:44
